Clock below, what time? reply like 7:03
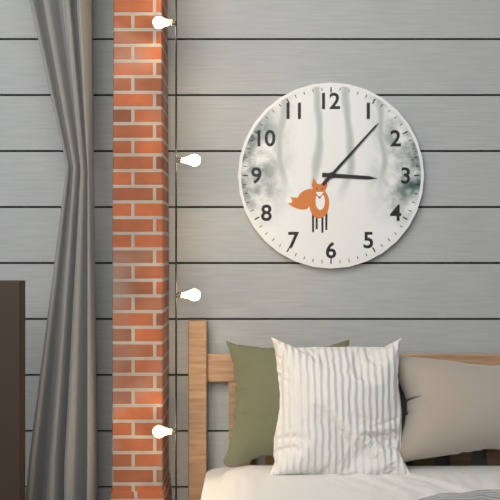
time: 3:07
